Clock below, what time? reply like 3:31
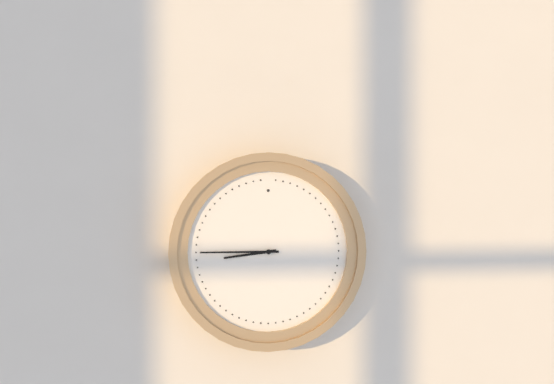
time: 8:45
